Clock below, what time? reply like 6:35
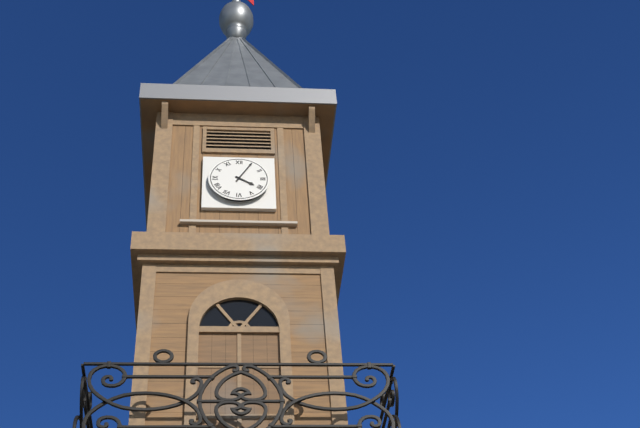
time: 4:05
